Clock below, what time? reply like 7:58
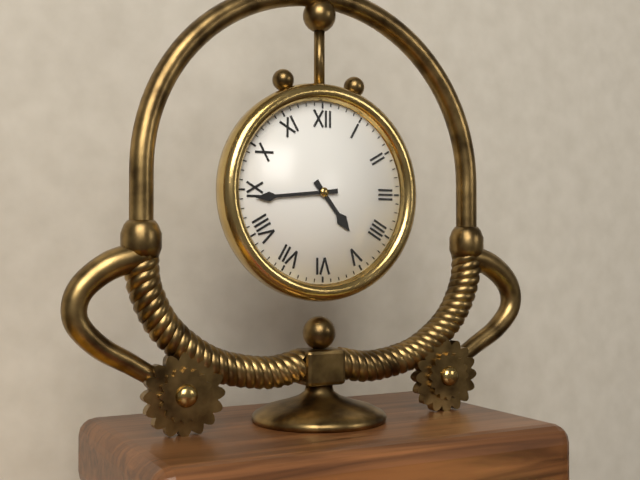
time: 4:44
